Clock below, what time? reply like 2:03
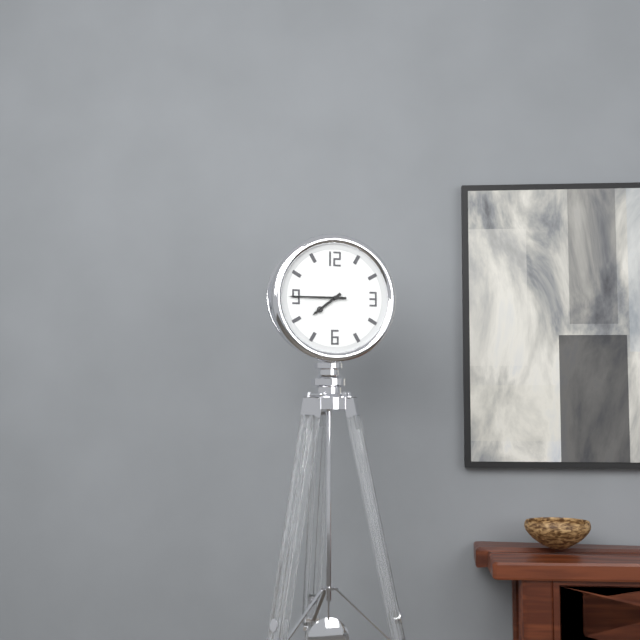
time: 7:45
